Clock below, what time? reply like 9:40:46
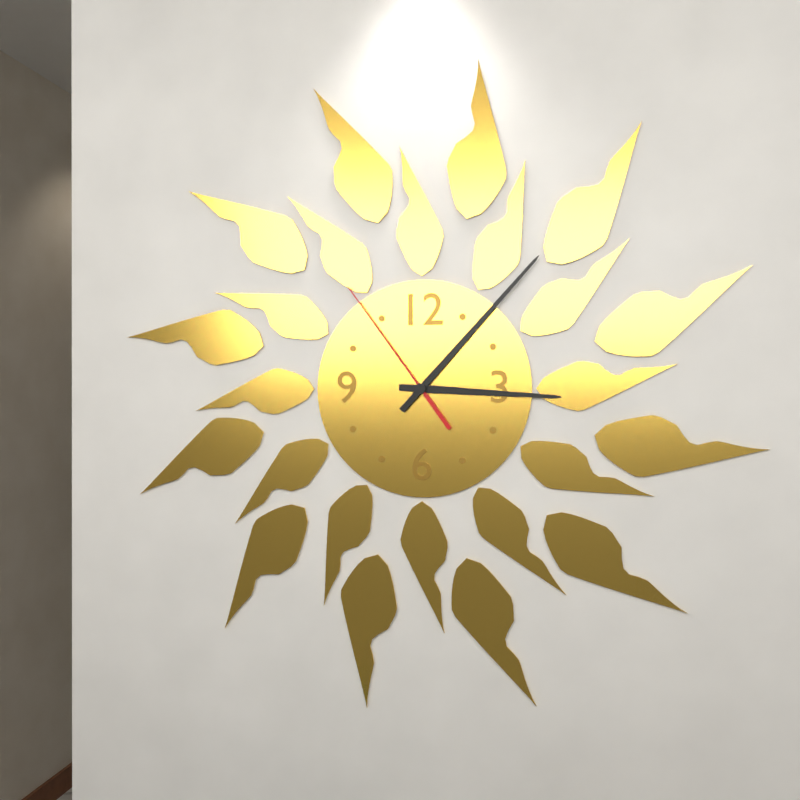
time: 3:07:54
